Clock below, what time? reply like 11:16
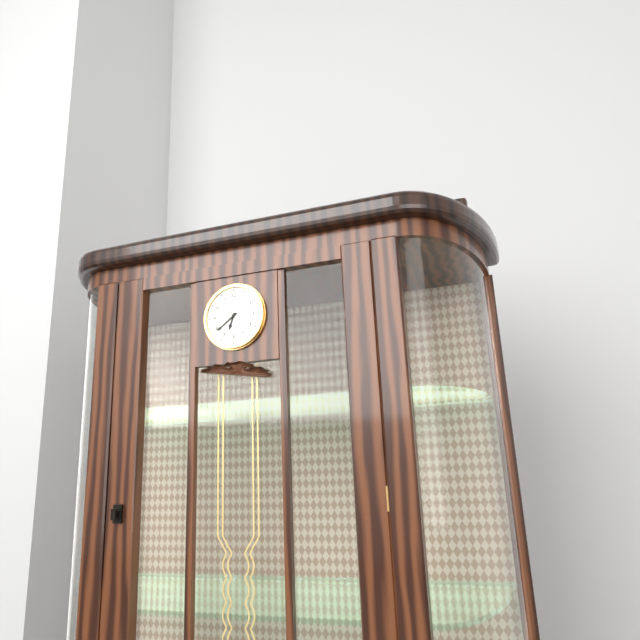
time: 6:39
